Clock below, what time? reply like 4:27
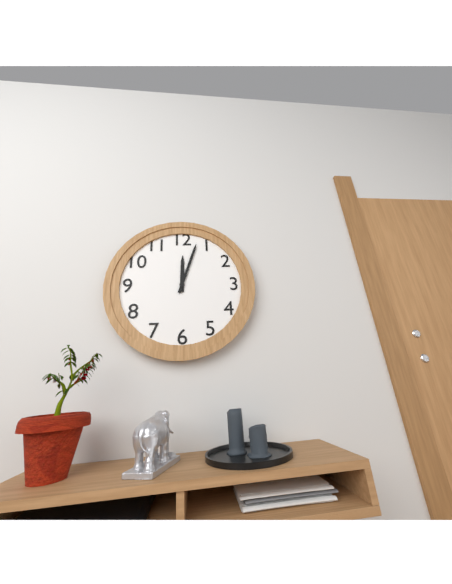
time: 12:03
